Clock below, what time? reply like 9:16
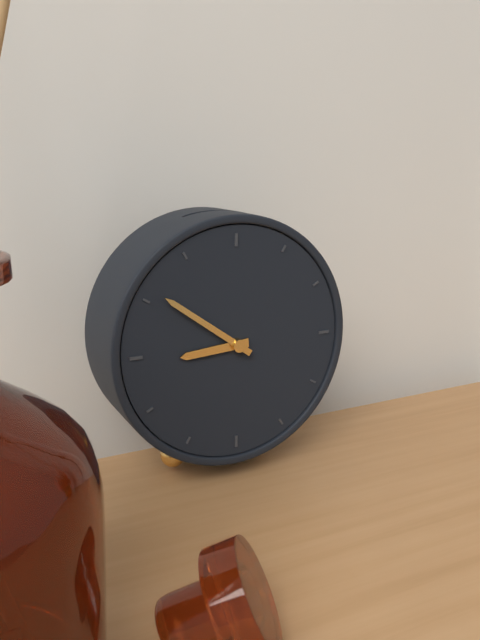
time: 8:51
